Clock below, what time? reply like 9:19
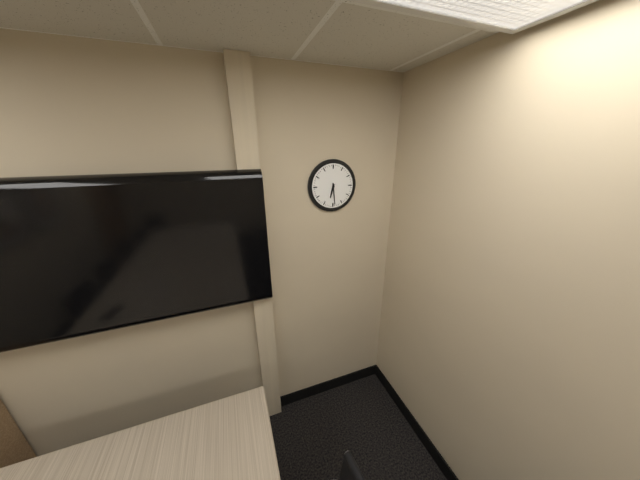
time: 6:29
